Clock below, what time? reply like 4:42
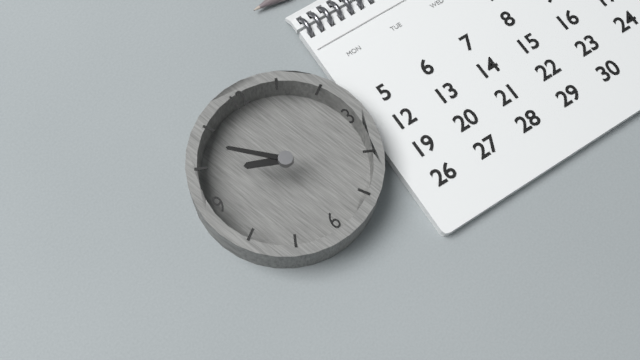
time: 9:53
